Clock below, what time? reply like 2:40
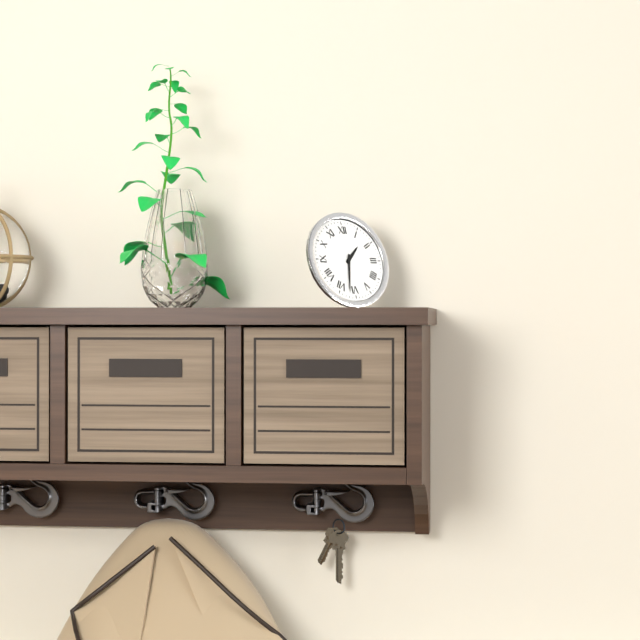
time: 1:32
